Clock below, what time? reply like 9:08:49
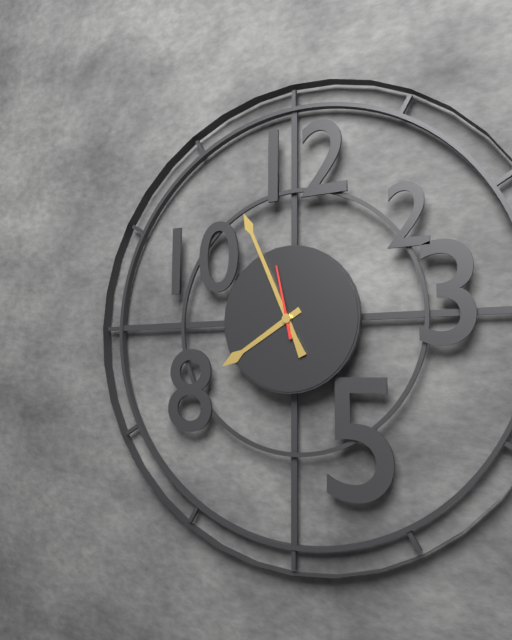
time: 7:56:58
